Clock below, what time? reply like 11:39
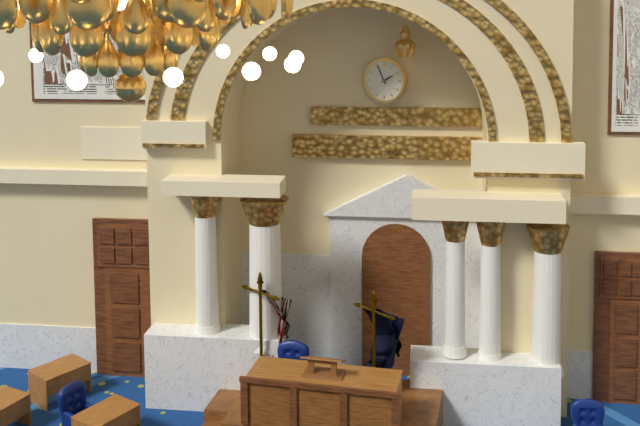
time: 1:56
